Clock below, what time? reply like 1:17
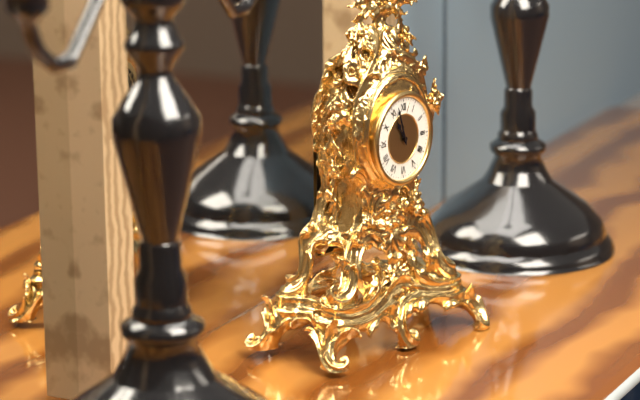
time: 10:57
